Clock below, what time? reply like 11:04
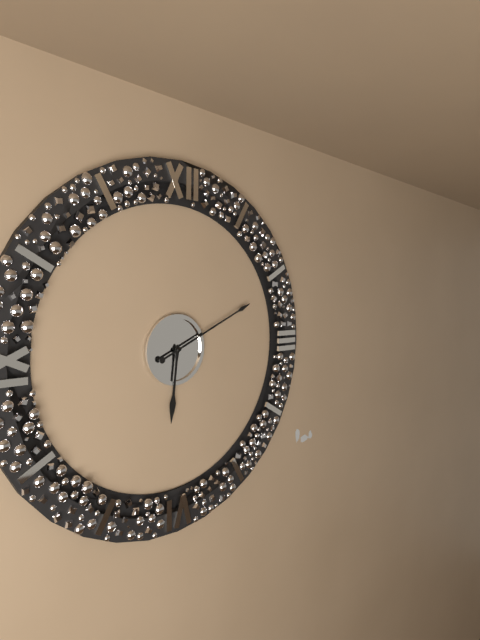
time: 6:11
